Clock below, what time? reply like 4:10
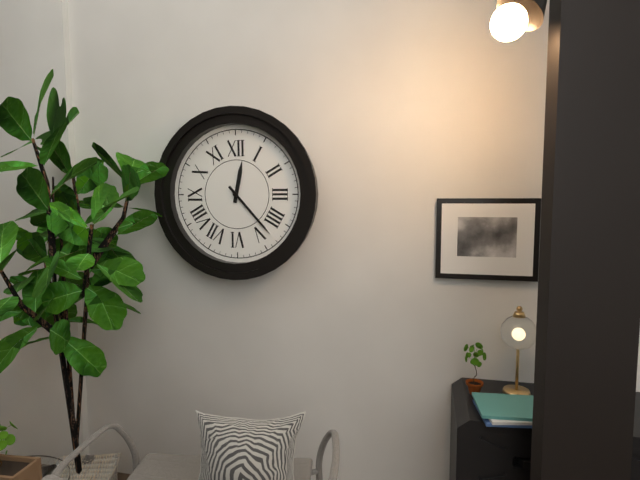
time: 12:23
